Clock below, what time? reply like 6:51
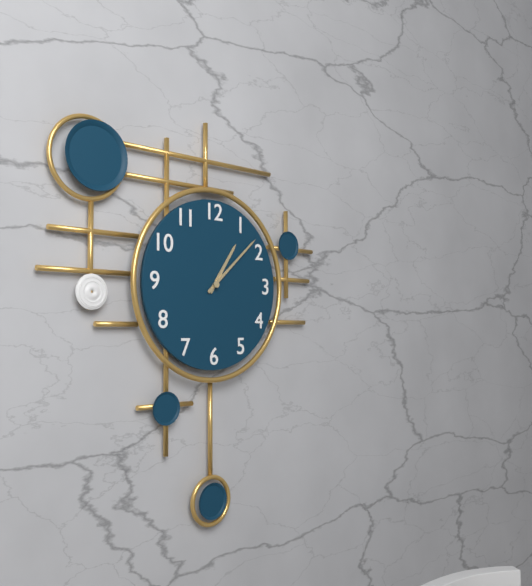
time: 1:08
